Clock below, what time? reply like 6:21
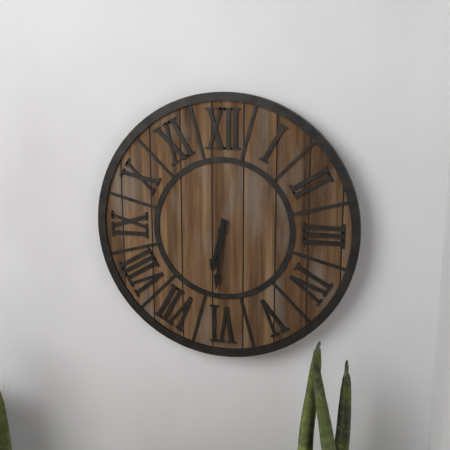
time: 6:31
